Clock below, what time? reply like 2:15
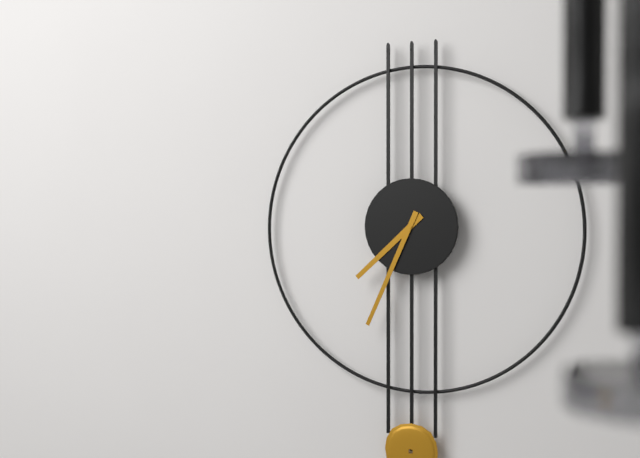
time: 7:34
